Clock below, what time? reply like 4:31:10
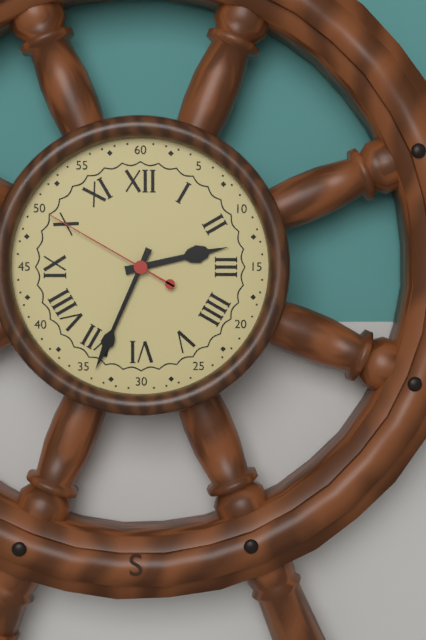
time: 2:34:50
